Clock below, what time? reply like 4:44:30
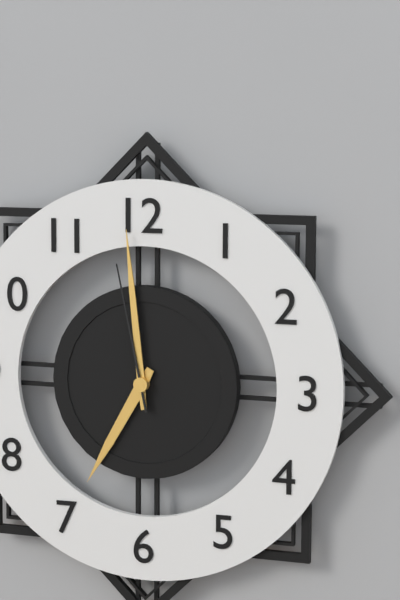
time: 6:59:58
